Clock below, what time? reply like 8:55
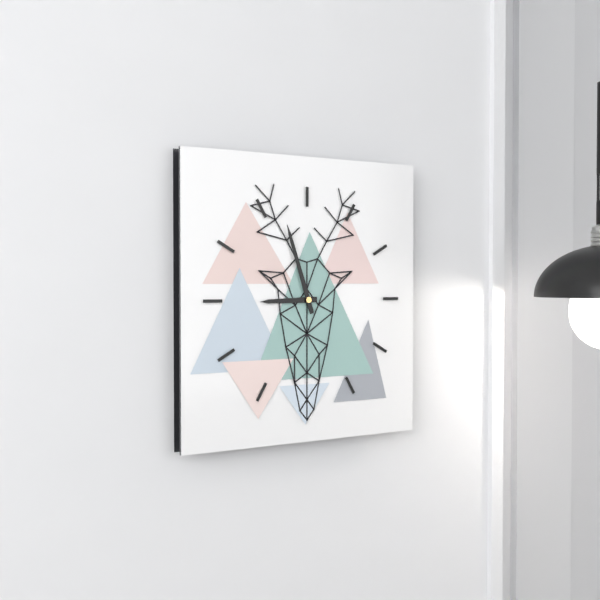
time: 8:57
